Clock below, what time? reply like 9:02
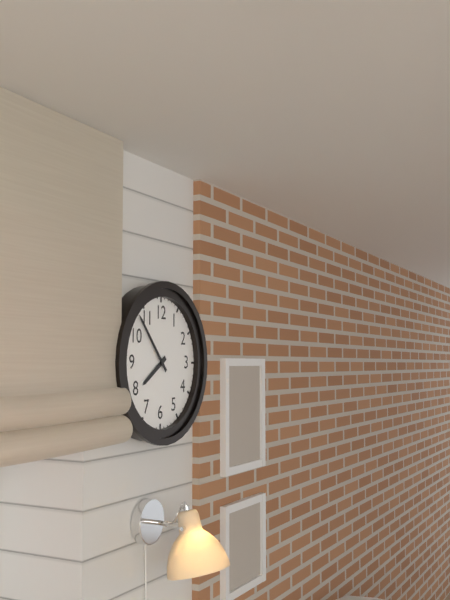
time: 7:53
